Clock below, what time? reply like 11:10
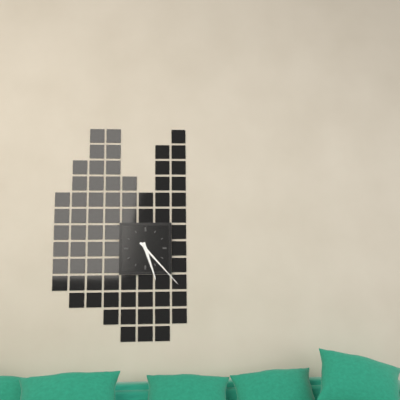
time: 5:23
